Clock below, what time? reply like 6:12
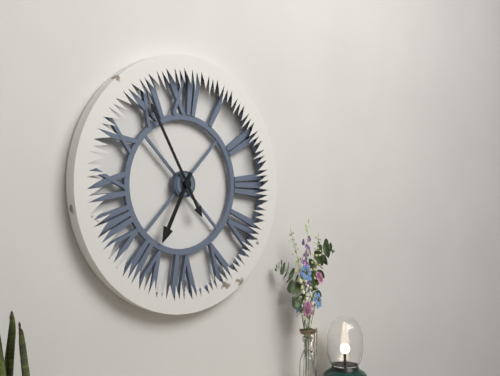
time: 6:55
